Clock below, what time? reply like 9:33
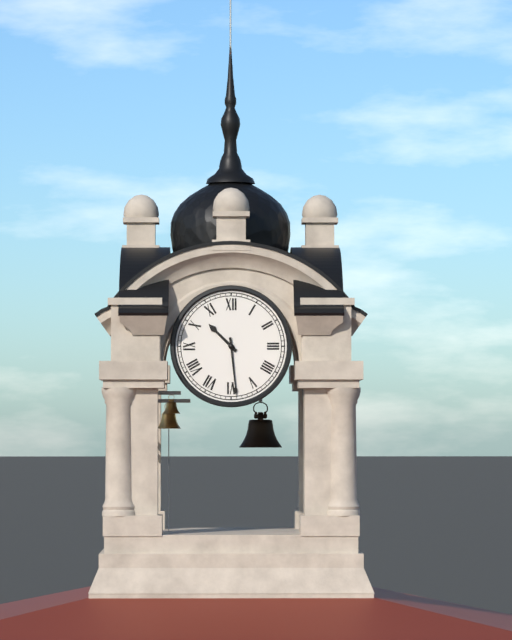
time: 10:29
